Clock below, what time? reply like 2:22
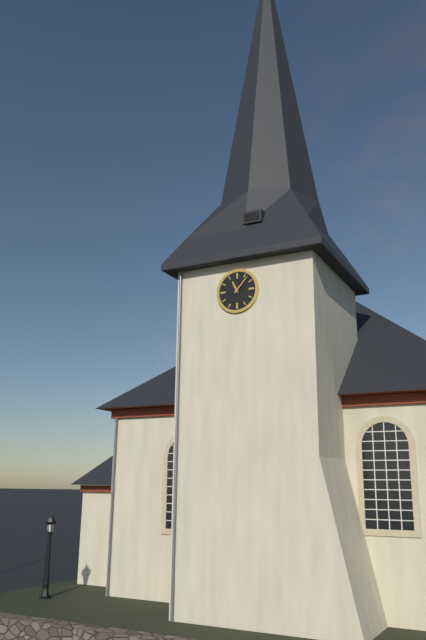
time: 11:07
